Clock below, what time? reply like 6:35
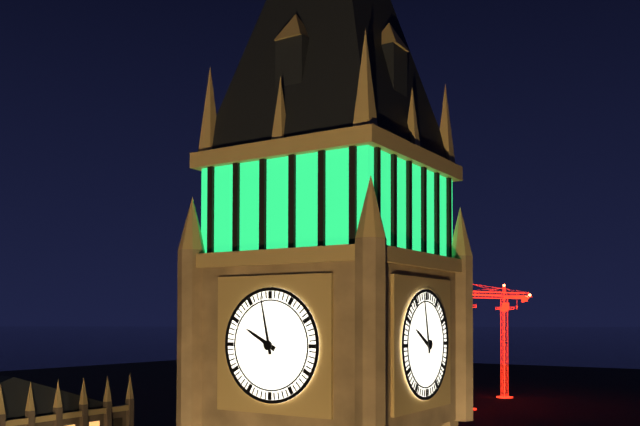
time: 9:58
